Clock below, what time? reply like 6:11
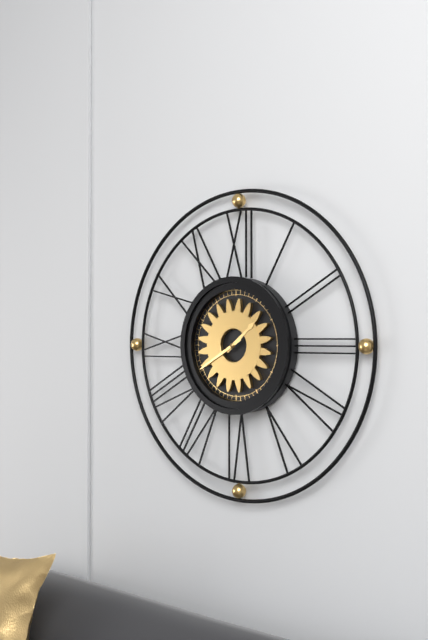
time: 1:40
